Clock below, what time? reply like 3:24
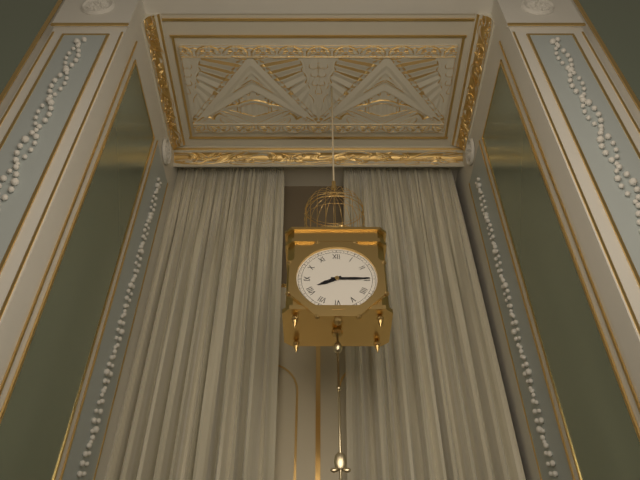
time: 8:15
